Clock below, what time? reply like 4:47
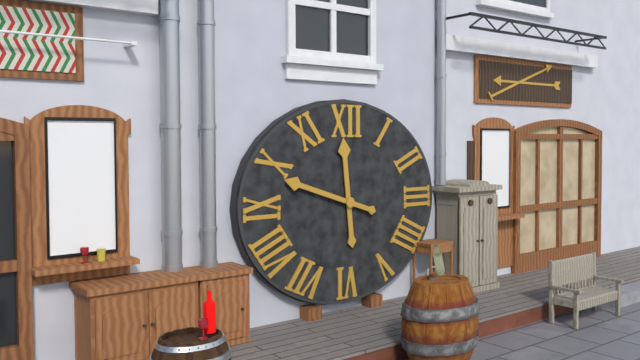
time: 11:48
